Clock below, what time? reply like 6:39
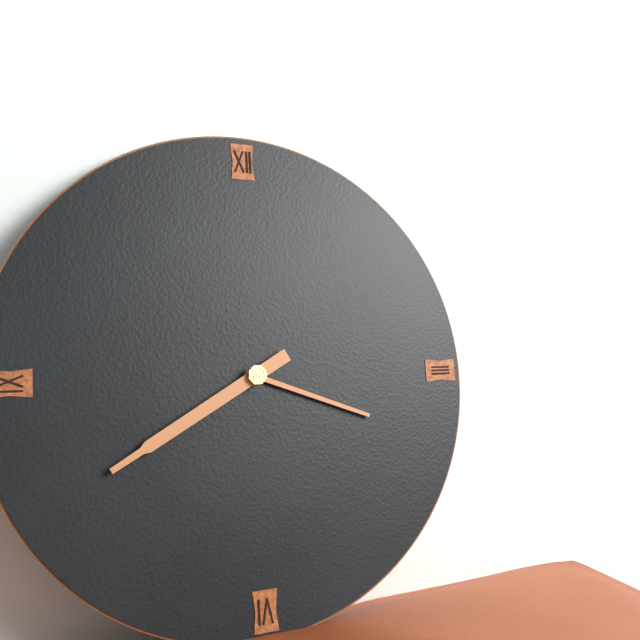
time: 3:40
